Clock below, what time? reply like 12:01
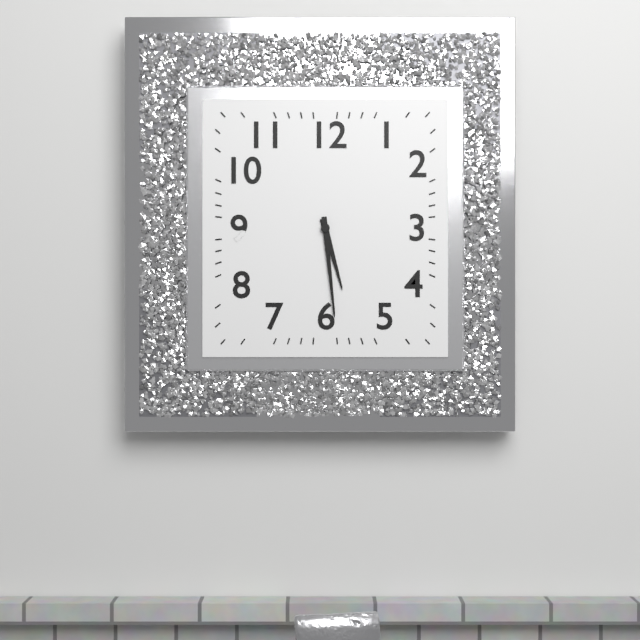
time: 5:29
